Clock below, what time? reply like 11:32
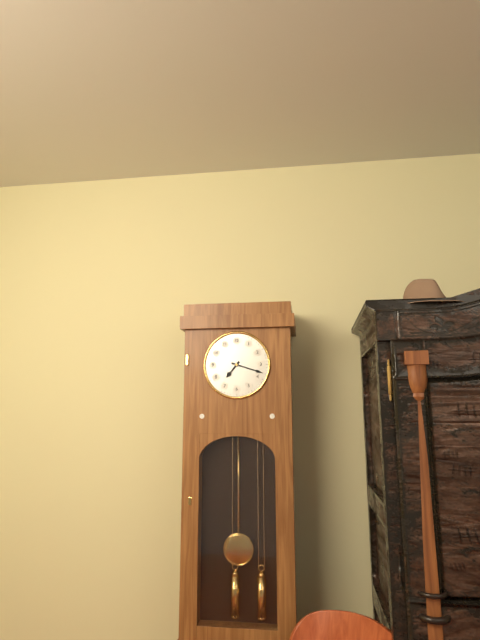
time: 7:18
